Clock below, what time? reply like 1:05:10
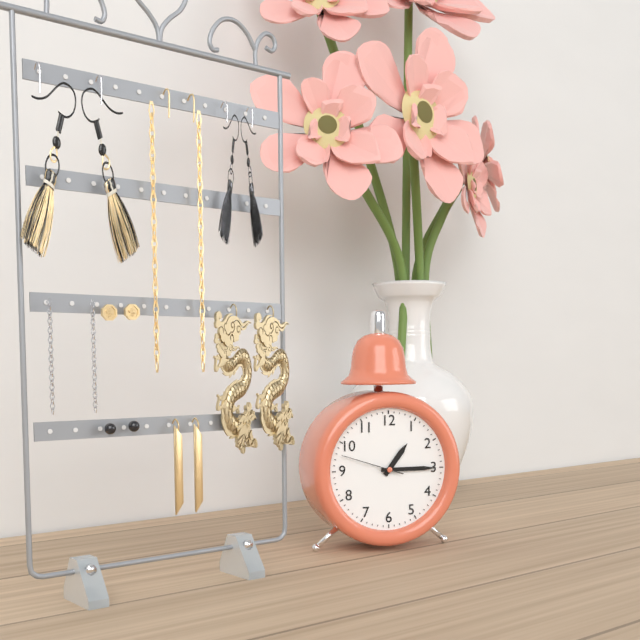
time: 1:15:48
